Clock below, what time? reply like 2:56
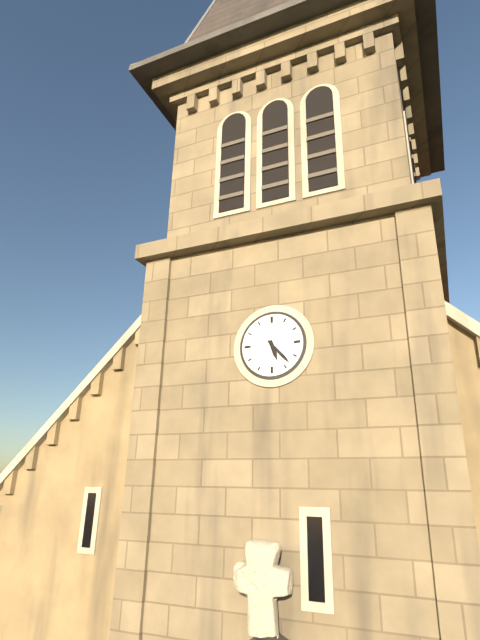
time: 5:23
